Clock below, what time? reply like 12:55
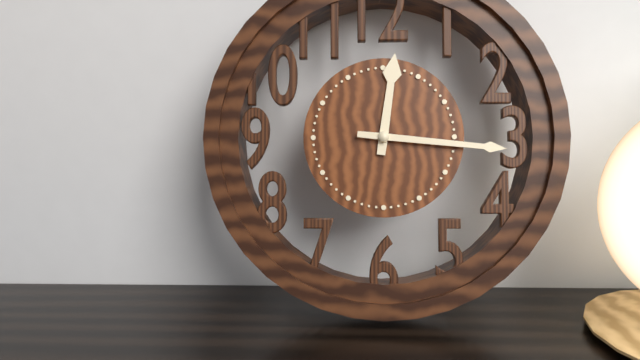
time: 12:16
